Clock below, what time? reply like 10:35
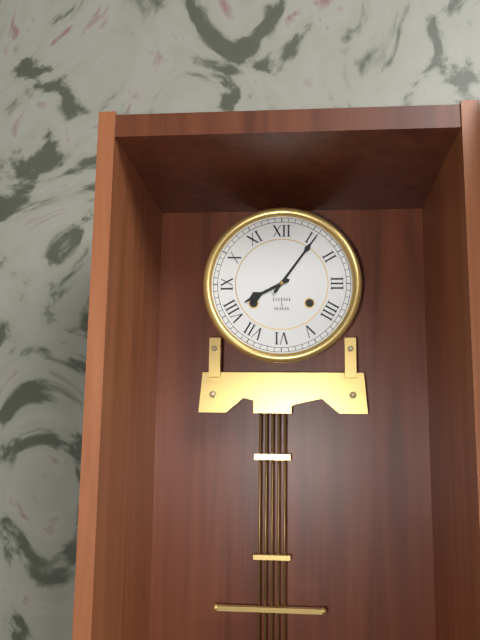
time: 8:06
